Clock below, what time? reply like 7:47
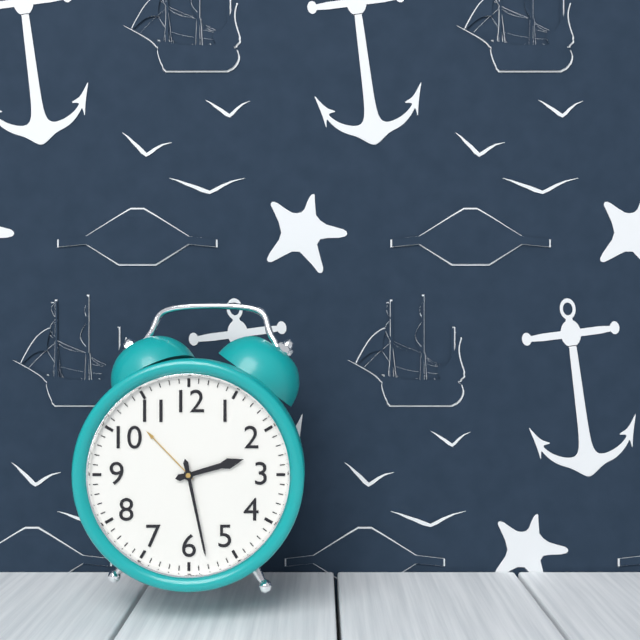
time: 2:28
